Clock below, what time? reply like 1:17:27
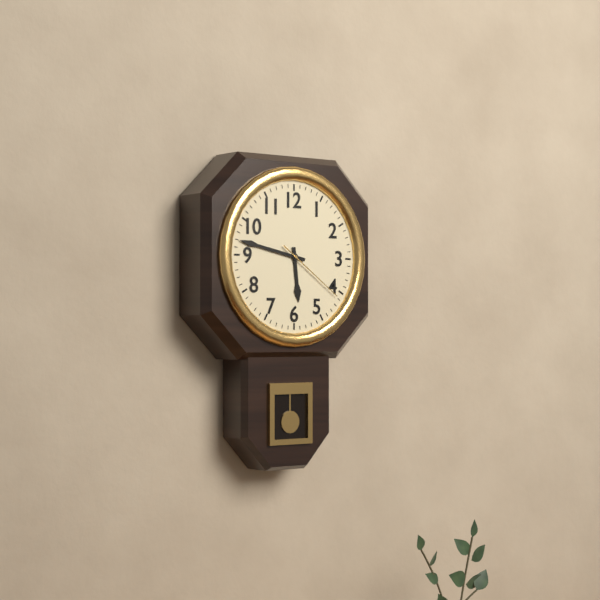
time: 5:47:21
